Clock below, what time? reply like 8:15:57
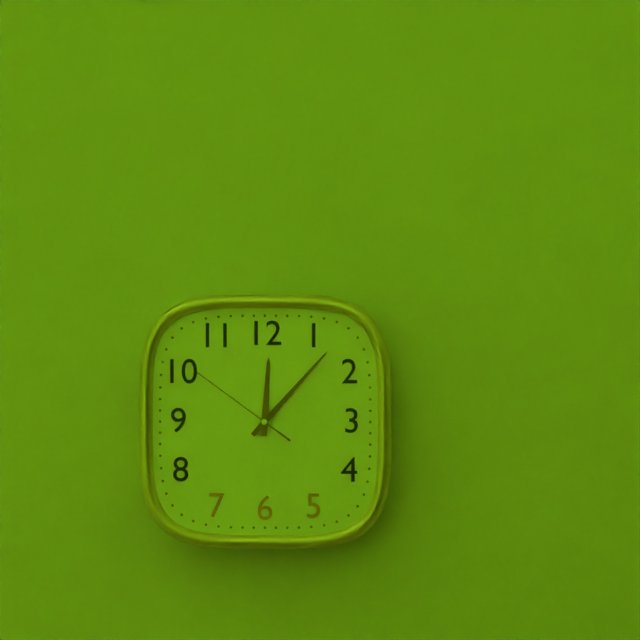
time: 12:07:51
